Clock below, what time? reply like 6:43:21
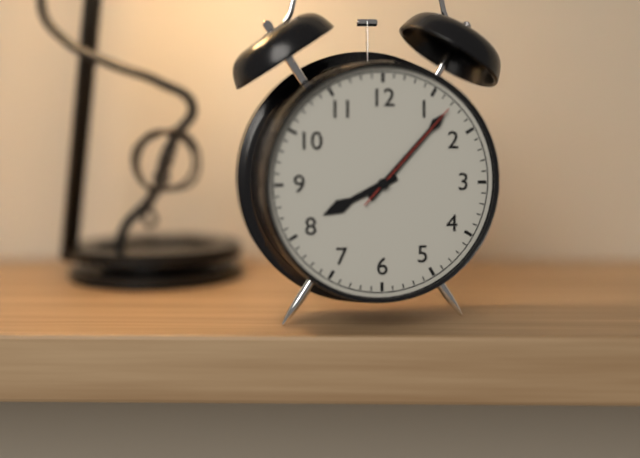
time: 8:07:07
